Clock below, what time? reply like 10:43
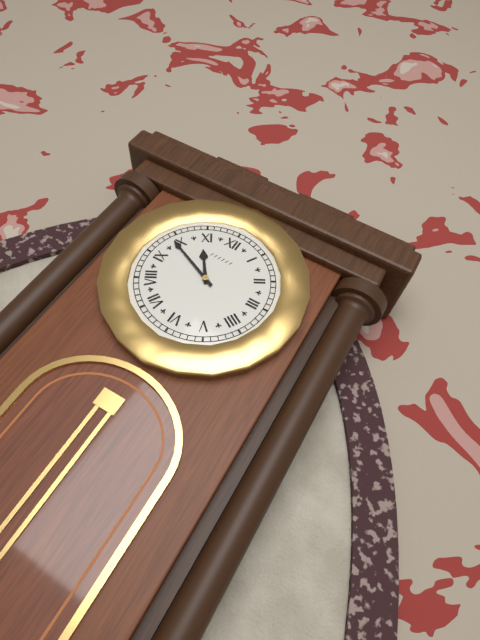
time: 10:49
